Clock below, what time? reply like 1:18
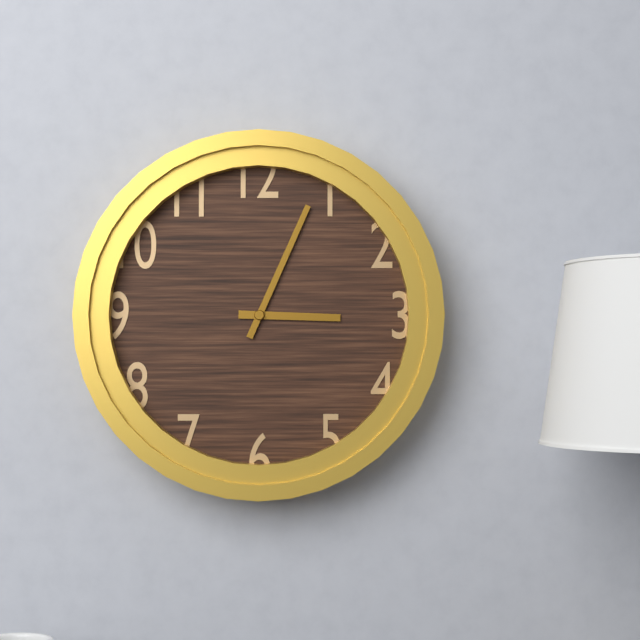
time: 3:04
